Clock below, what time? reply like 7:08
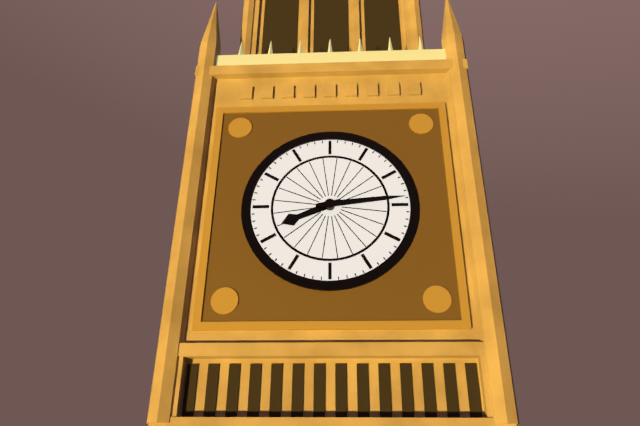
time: 8:14
